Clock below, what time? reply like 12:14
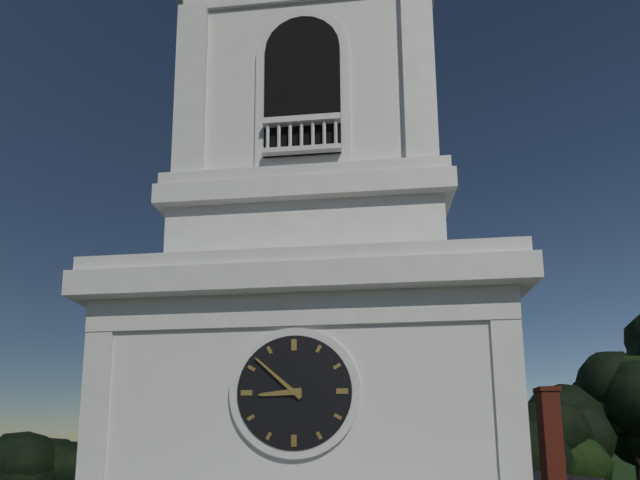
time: 8:52
